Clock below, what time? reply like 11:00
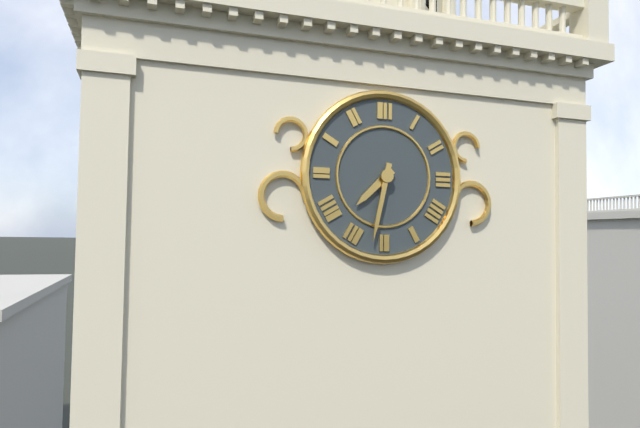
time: 7:32
